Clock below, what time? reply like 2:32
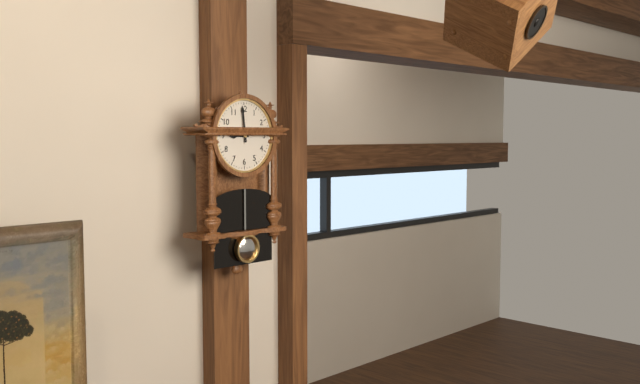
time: 8:59
